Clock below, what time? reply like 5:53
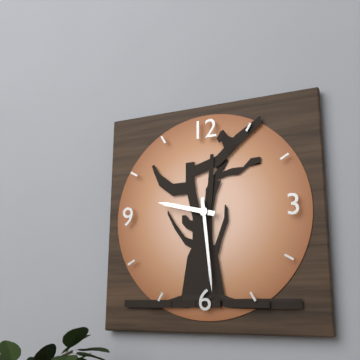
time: 9:29
